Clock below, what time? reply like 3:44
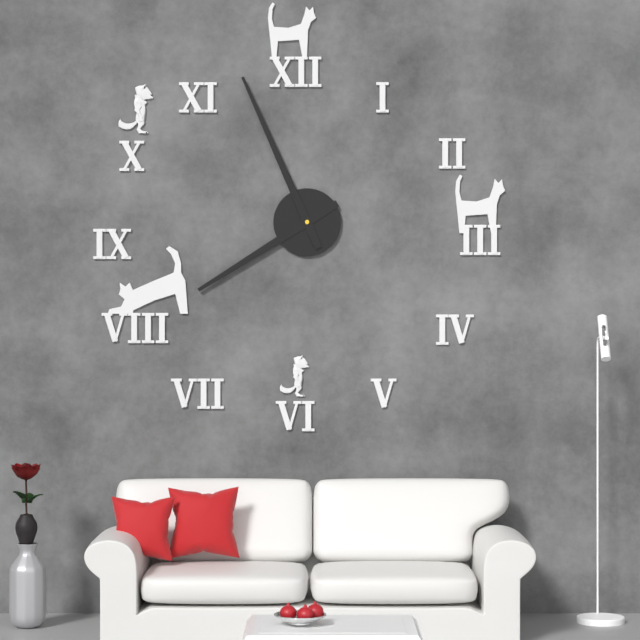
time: 7:56
